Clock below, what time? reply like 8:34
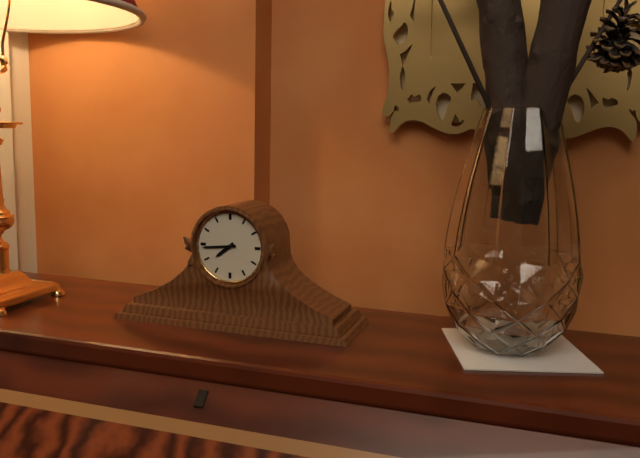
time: 7:44
